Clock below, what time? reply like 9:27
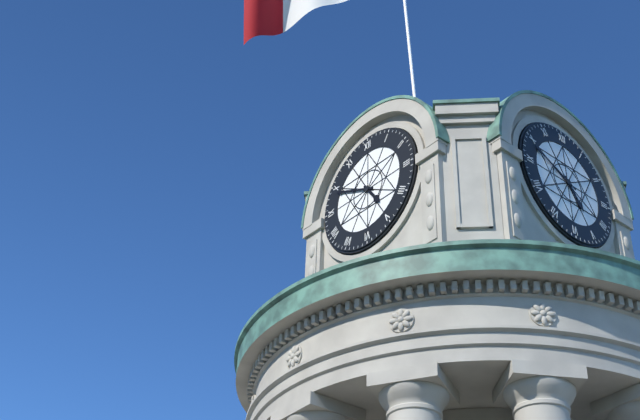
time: 4:49
